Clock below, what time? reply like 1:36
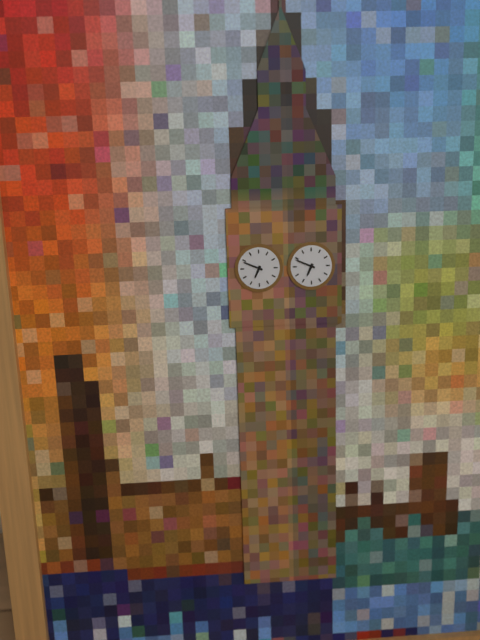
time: 6:49
